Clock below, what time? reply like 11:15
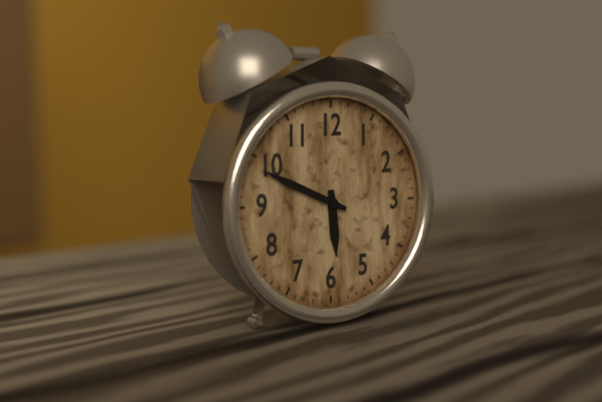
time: 5:49
